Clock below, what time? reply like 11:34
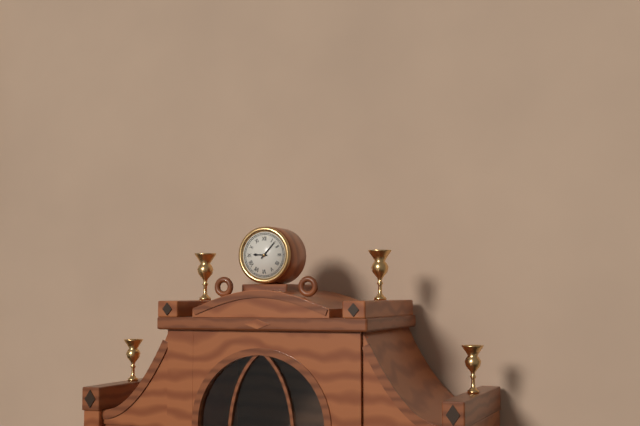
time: 9:07
